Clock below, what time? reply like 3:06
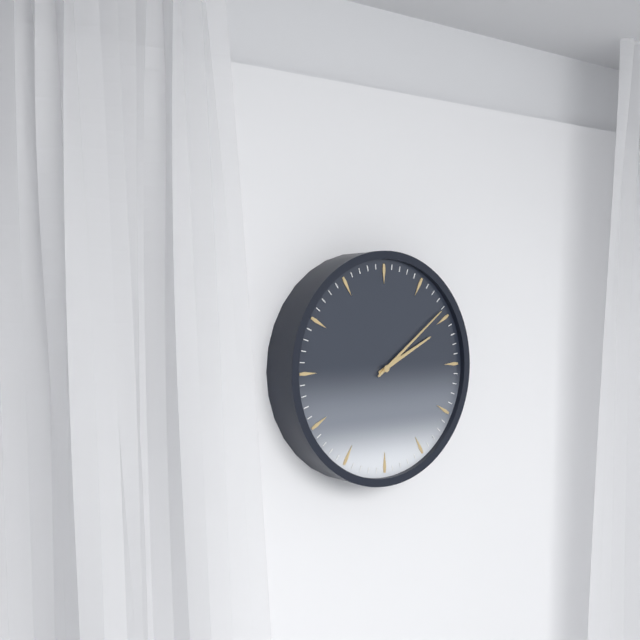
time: 2:09
